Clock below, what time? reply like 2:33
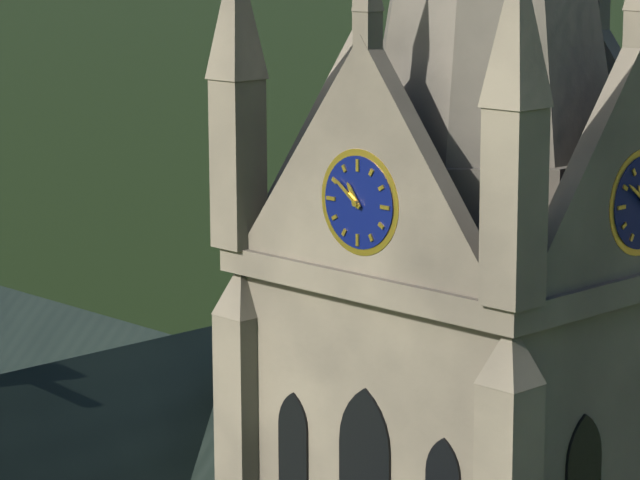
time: 10:51
